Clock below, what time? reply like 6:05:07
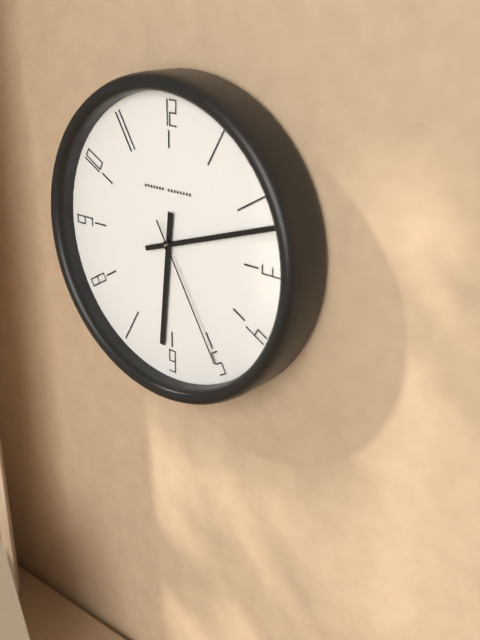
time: 6:12:25
